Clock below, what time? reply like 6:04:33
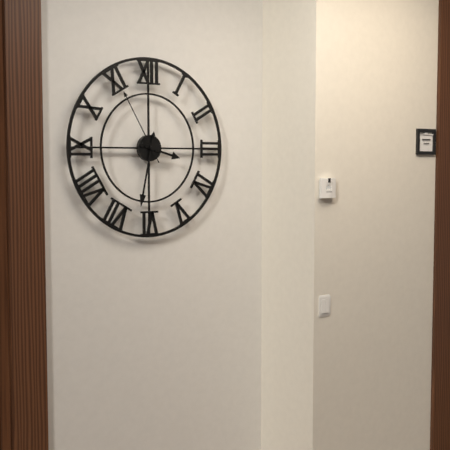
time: 3:32:55
